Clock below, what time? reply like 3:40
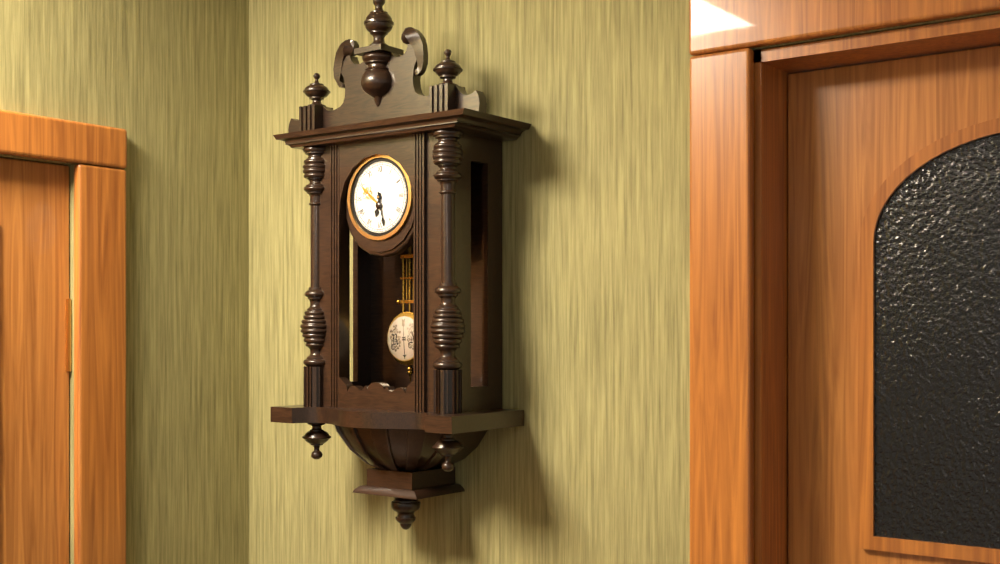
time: 6:28
